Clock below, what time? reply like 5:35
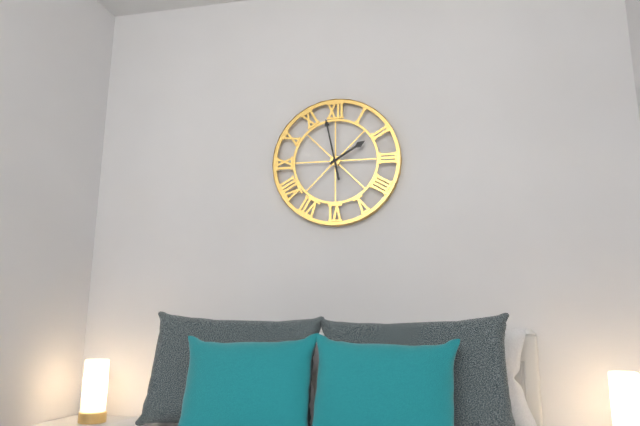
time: 1:58
